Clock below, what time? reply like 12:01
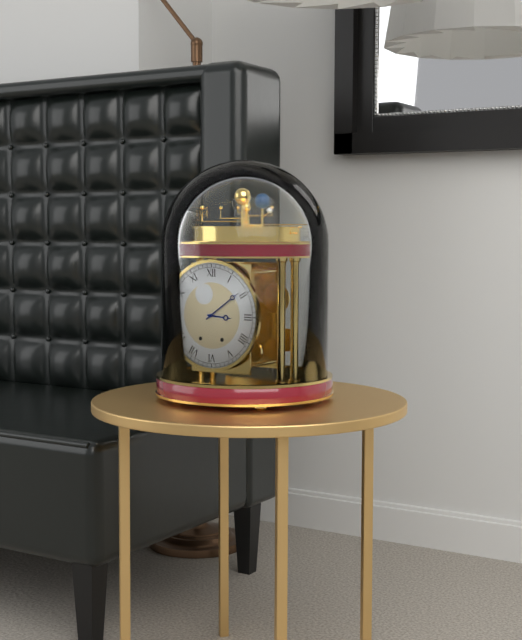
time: 3:09
